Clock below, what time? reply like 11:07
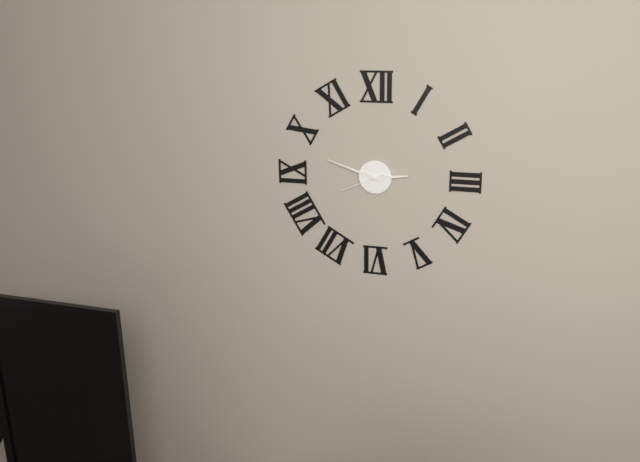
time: 2:48
